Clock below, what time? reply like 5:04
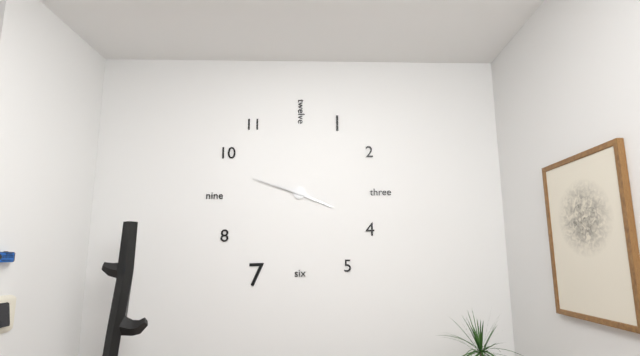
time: 3:48
